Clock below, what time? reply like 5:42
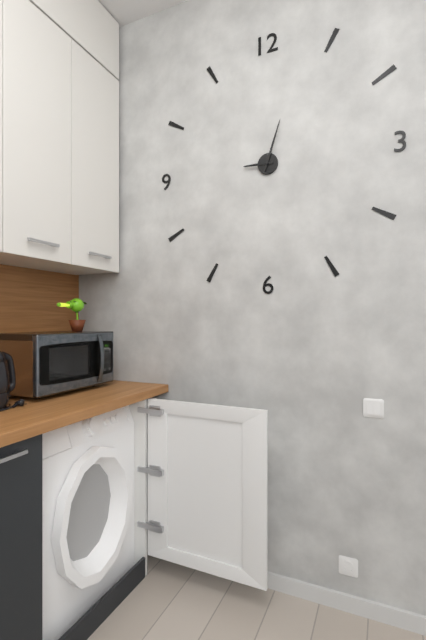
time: 9:03
